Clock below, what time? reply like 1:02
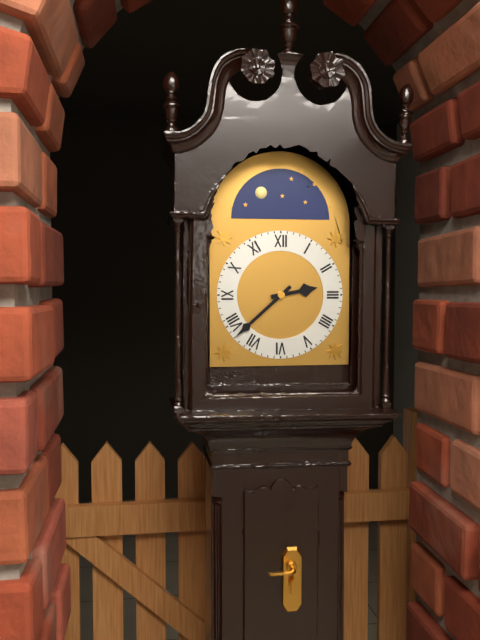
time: 2:38
